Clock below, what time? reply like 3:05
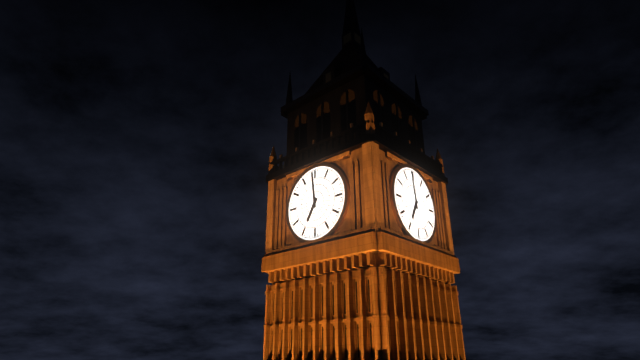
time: 6:59
